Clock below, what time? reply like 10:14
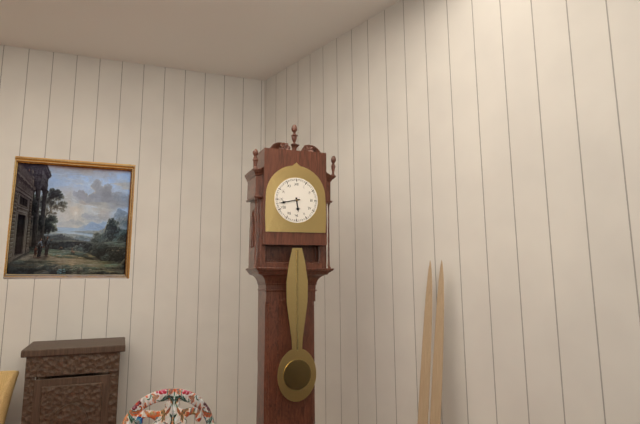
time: 5:43
